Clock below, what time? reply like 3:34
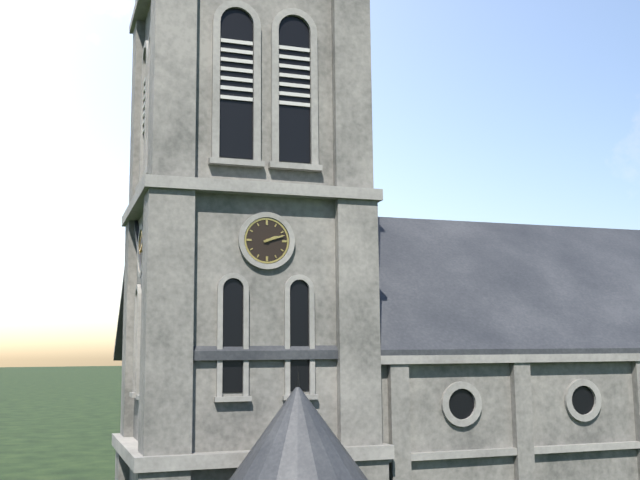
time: 2:12
